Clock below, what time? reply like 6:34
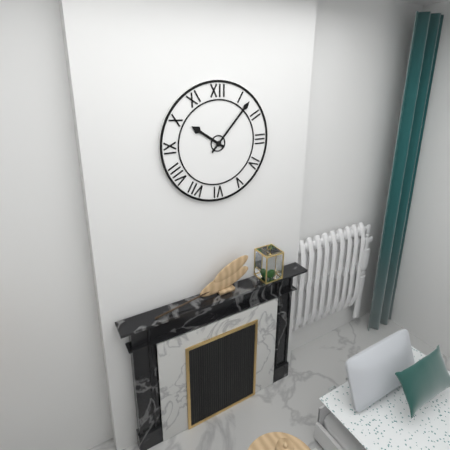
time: 10:07
